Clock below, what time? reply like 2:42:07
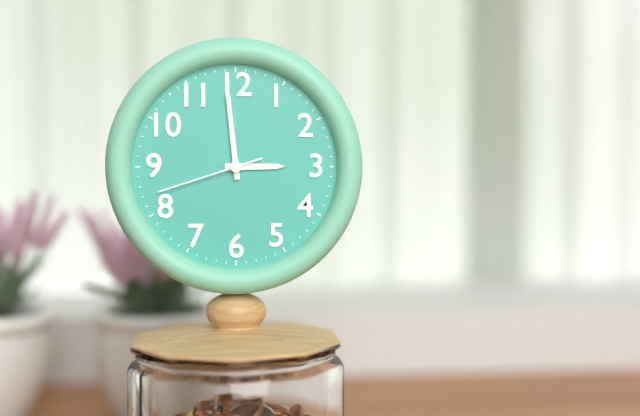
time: 2:59:42
